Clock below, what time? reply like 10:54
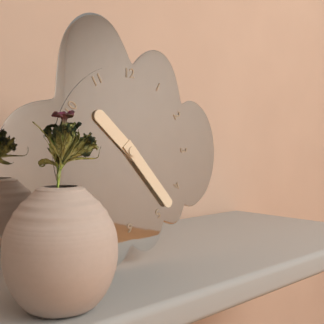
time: 10:23
